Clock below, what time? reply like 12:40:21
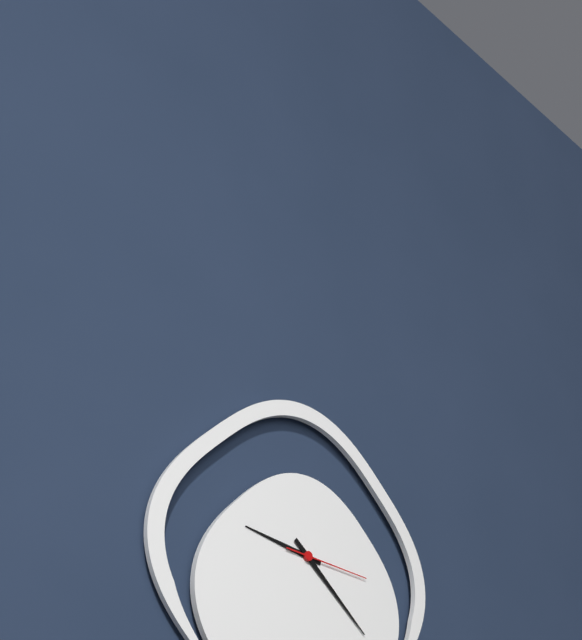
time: 9:22:16
